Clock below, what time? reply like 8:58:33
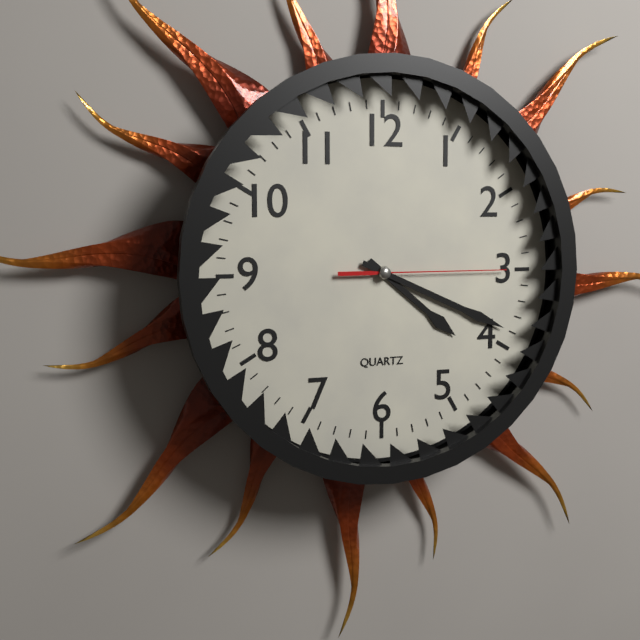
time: 4:19:15
